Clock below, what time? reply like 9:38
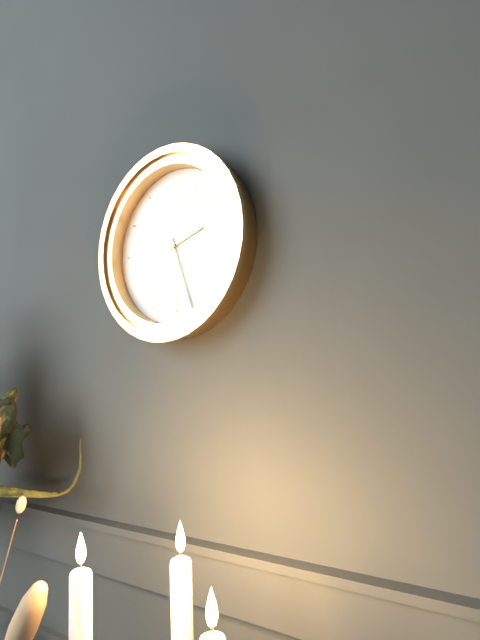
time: 2:27
